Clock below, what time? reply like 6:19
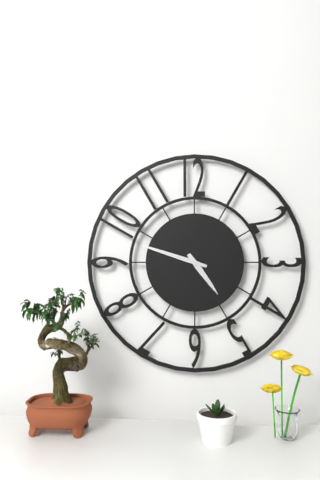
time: 4:48
